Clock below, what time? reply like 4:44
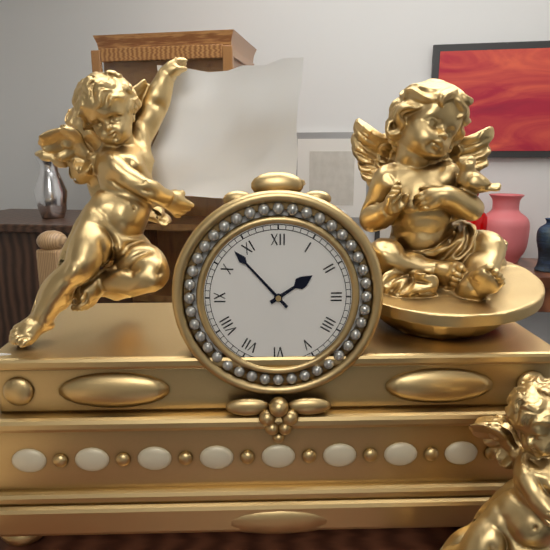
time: 1:53
